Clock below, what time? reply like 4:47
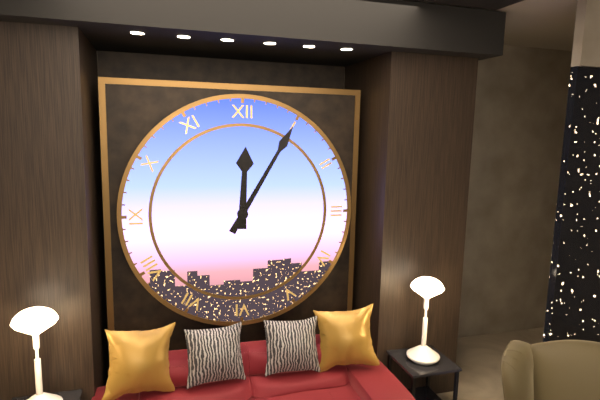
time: 12:05
